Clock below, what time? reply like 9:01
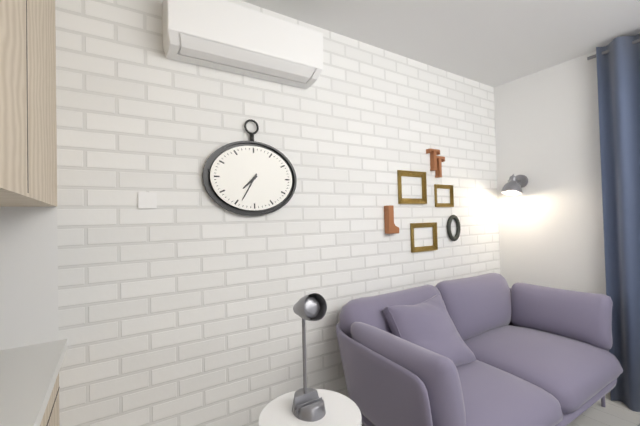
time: 7:35
